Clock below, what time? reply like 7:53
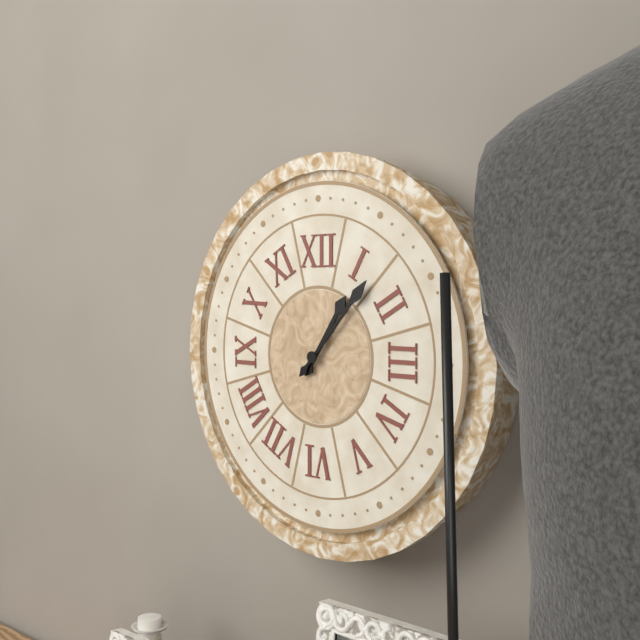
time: 1:07
